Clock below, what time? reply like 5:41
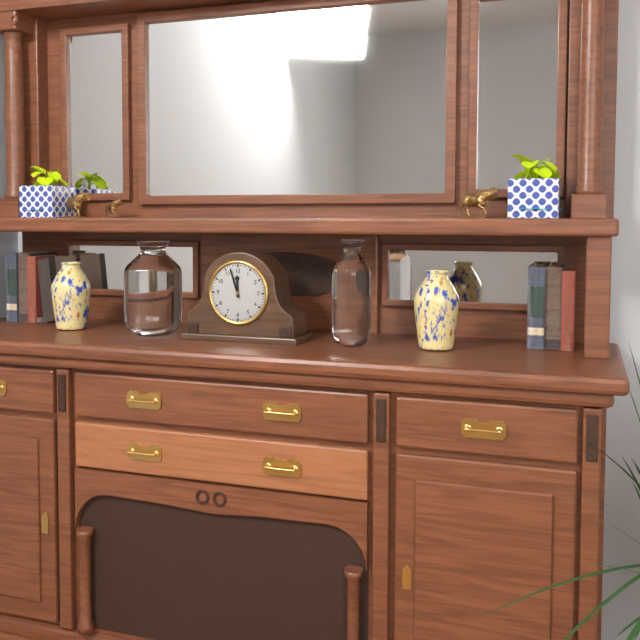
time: 11:57
